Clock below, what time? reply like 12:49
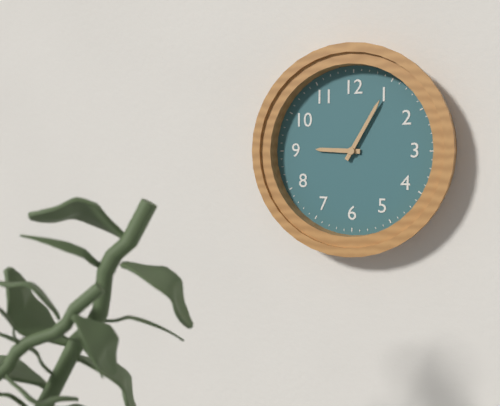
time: 9:05
